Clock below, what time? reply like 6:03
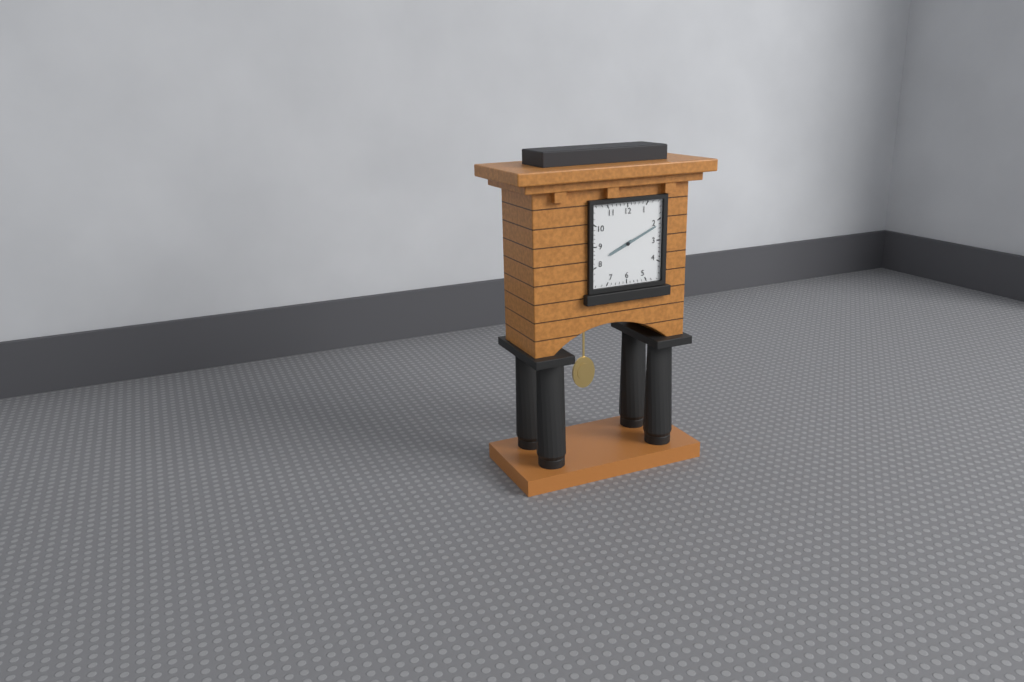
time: 8:11
